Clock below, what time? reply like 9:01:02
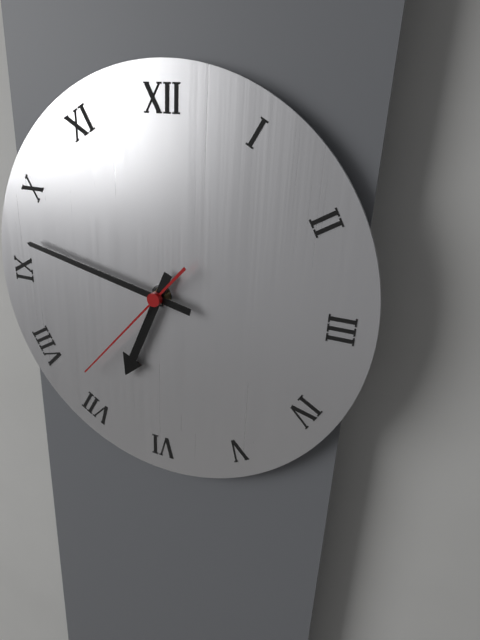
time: 6:47:37
